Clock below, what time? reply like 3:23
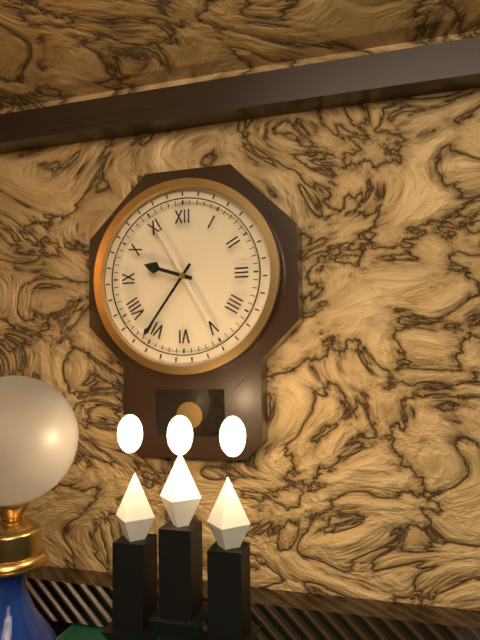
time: 9:36
